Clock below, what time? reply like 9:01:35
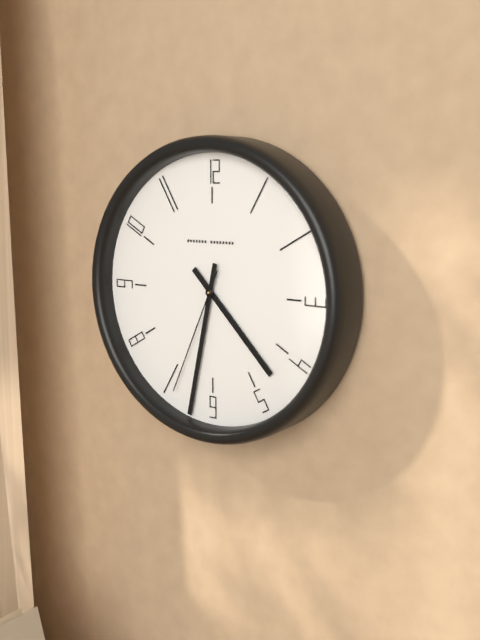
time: 4:32:34
